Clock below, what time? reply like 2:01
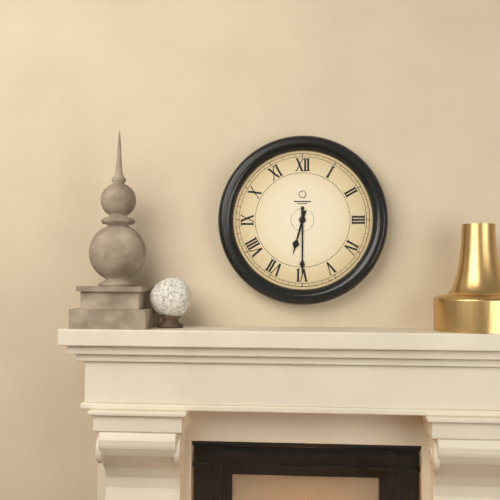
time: 6:30
